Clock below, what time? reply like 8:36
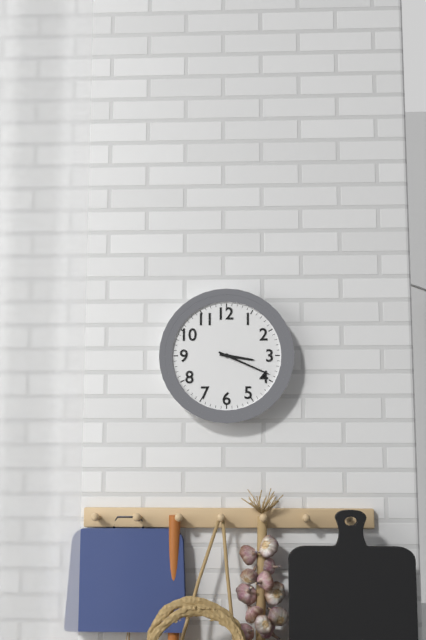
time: 3:19
